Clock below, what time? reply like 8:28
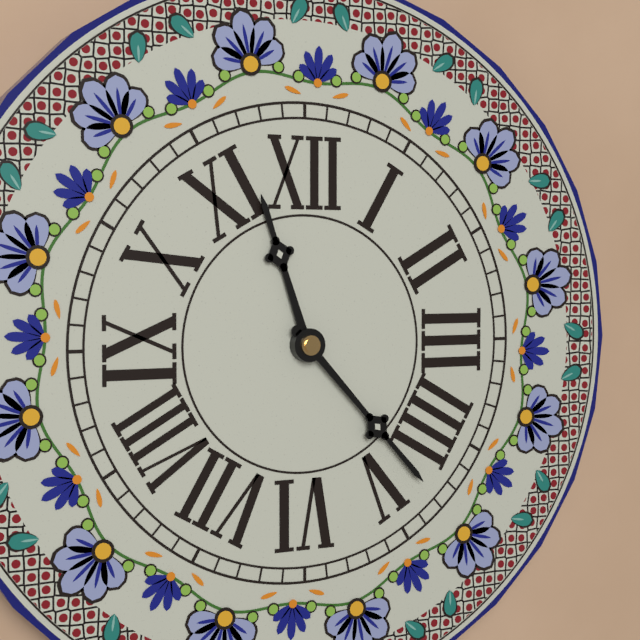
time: 11:23
